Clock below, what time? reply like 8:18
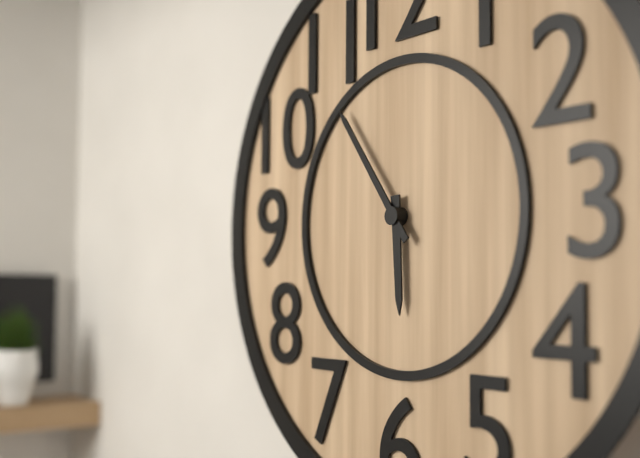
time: 5:54
